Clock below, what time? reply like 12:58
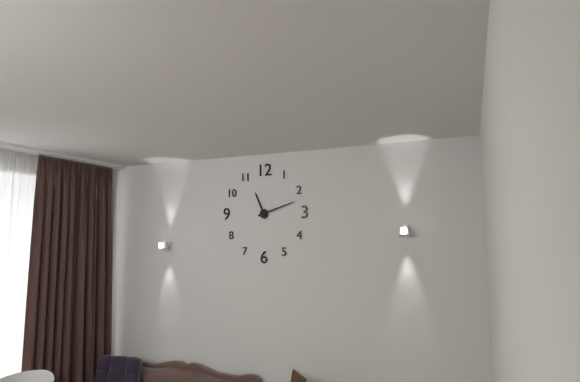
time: 11:12
